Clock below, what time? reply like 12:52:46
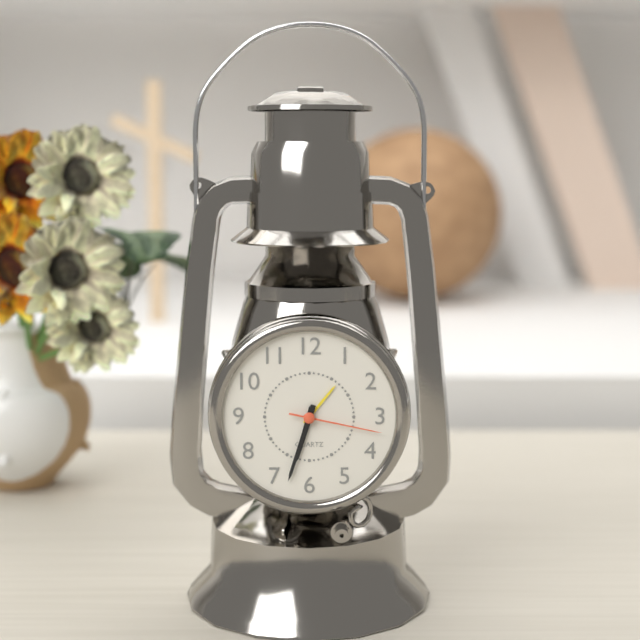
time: 6:33:17
